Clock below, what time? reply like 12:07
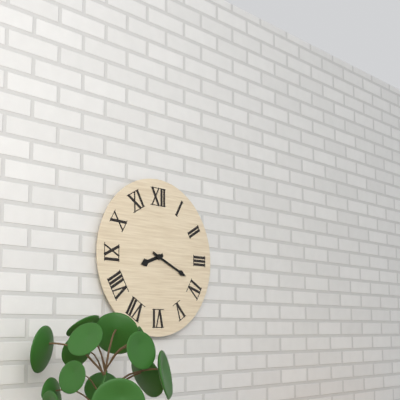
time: 8:19
